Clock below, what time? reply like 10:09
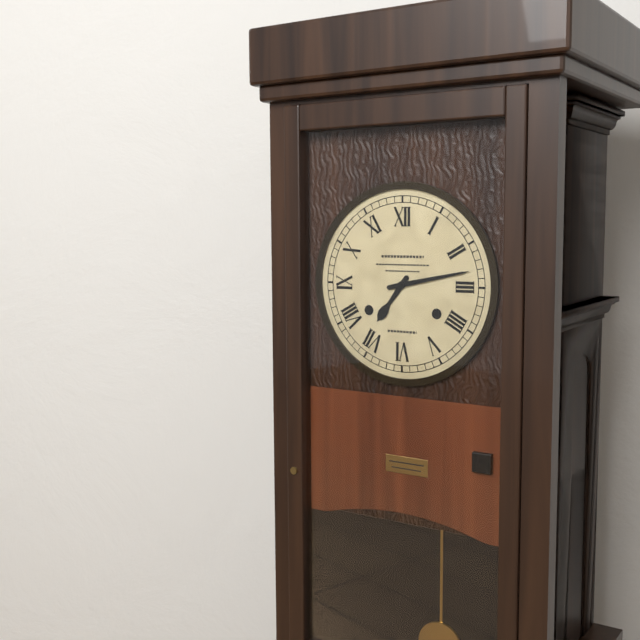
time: 7:13
